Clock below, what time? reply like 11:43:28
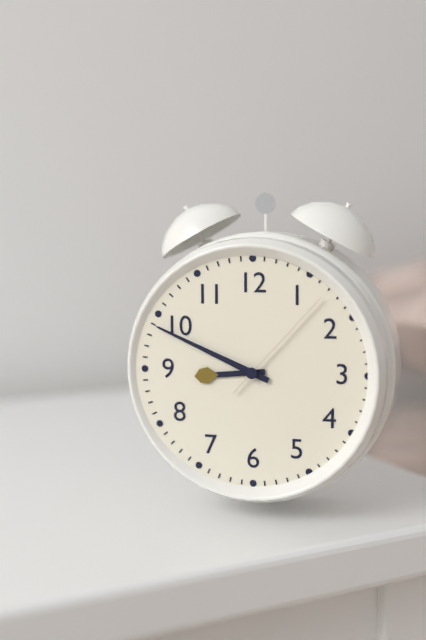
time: 8:49:07
